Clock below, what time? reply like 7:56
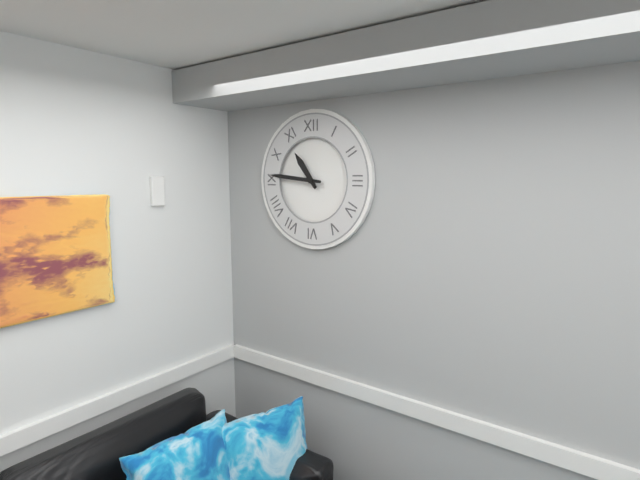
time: 10:46
